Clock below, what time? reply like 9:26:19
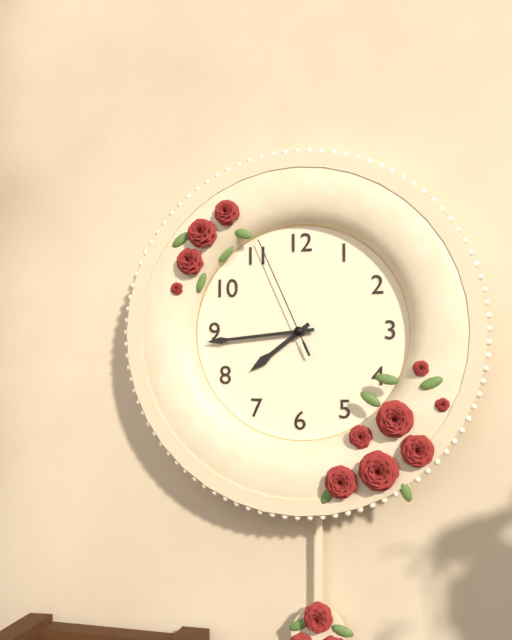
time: 7:44:56
